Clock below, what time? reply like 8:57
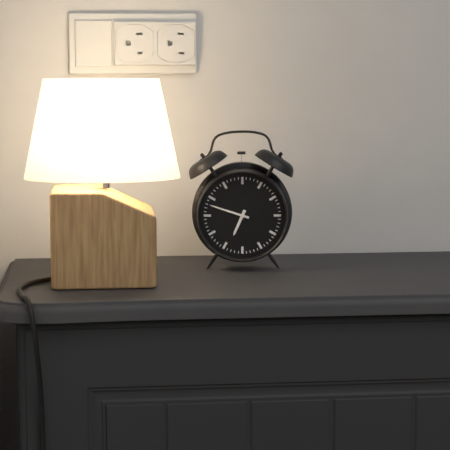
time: 6:48
